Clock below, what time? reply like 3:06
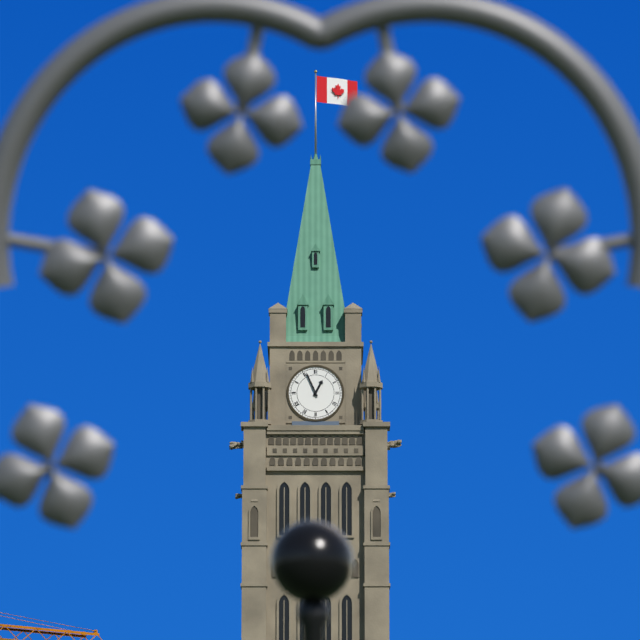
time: 12:56
